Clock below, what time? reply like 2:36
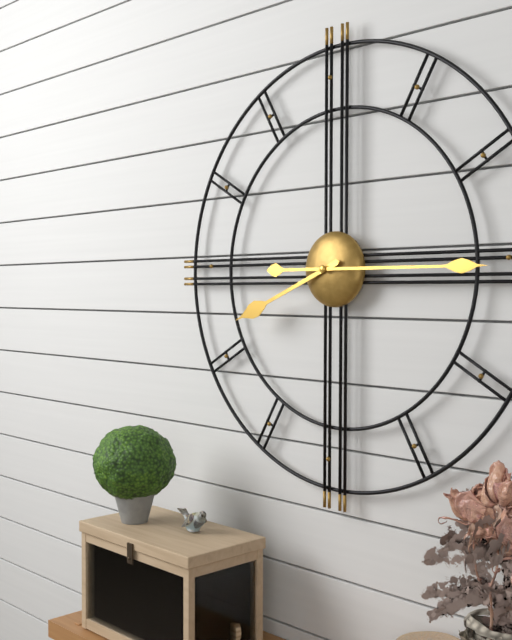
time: 8:15
